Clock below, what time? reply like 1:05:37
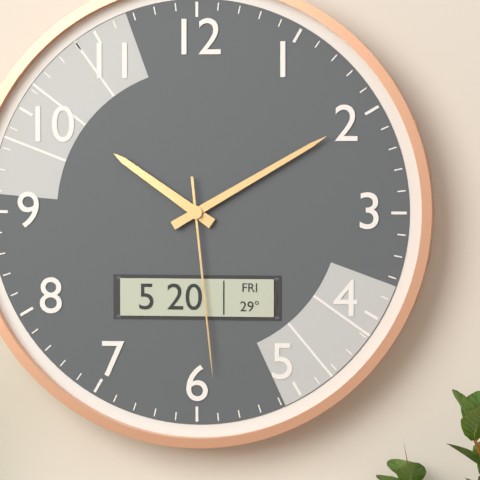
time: 10:10:29
